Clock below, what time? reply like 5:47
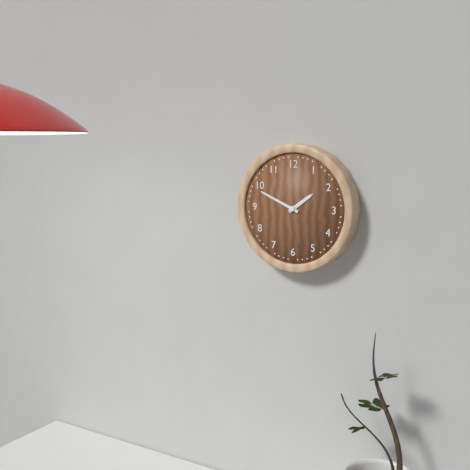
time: 1:49
